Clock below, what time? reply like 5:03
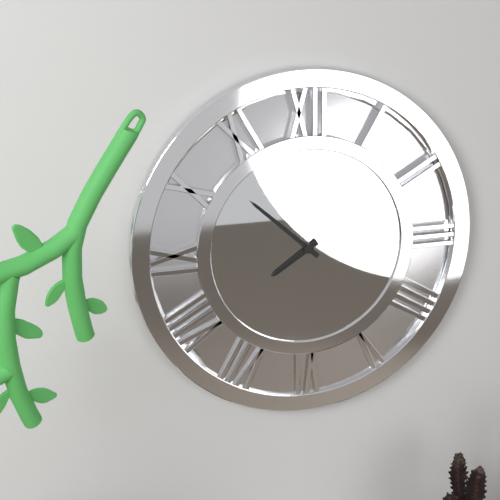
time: 7:52
